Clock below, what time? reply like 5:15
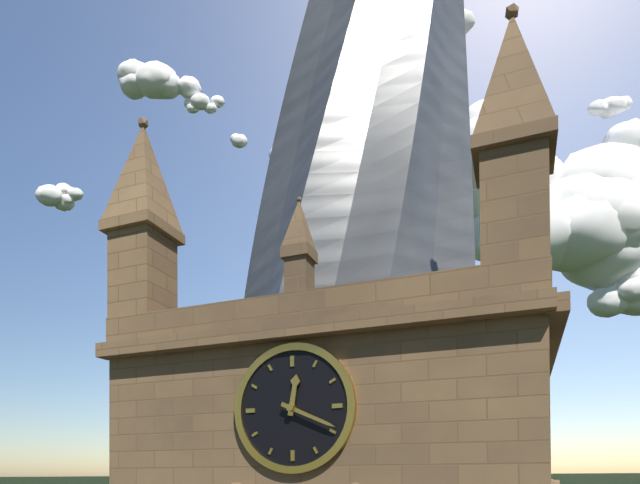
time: 12:19
